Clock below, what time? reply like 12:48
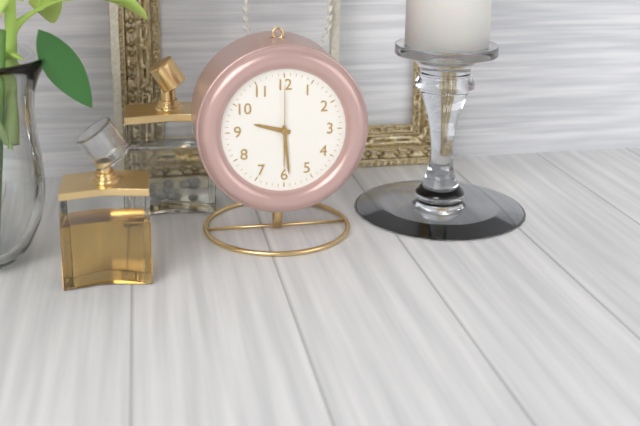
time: 9:29
